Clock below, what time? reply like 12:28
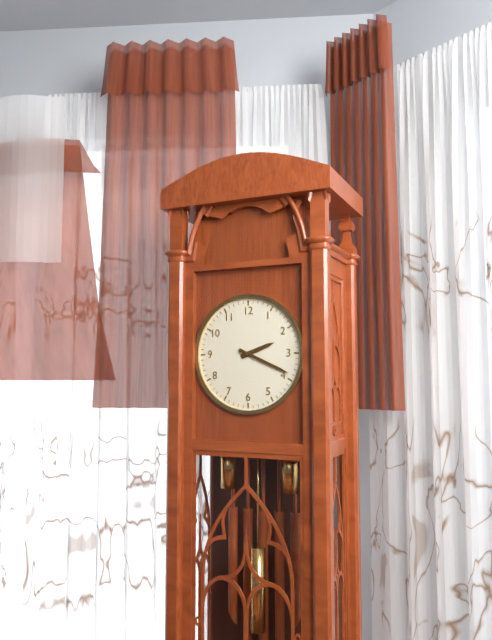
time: 2:19
